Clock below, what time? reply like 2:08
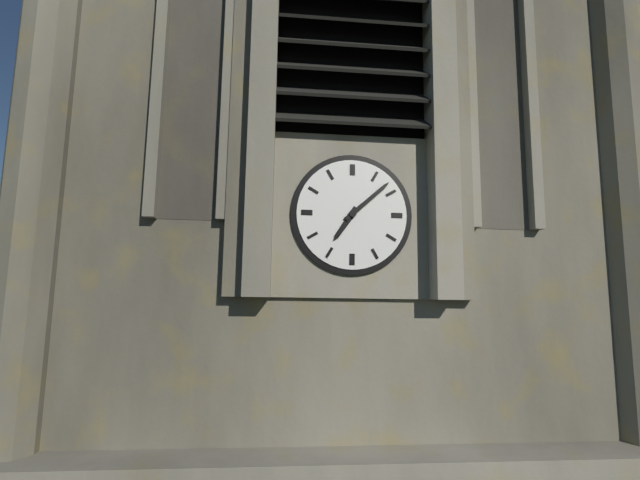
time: 7:08
